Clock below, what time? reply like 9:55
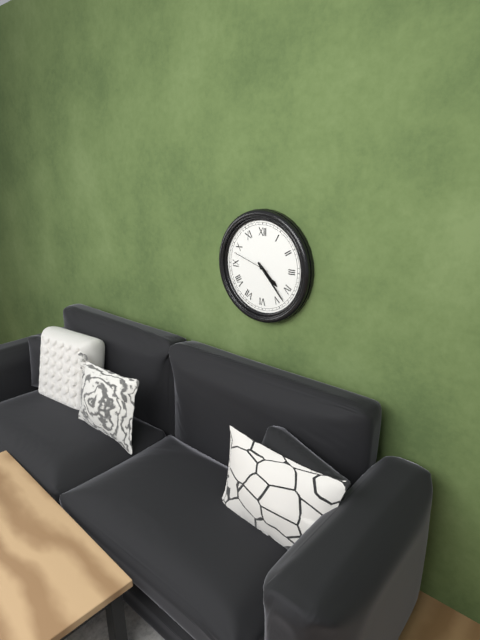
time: 4:23
